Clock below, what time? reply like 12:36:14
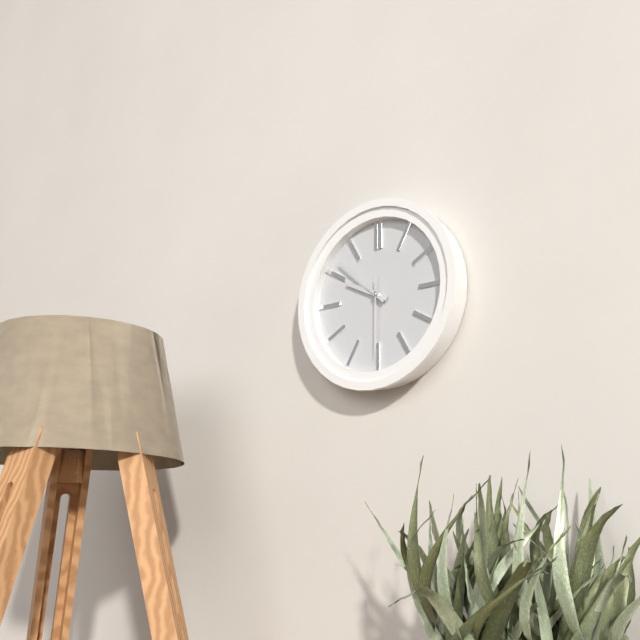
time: 9:52:30
